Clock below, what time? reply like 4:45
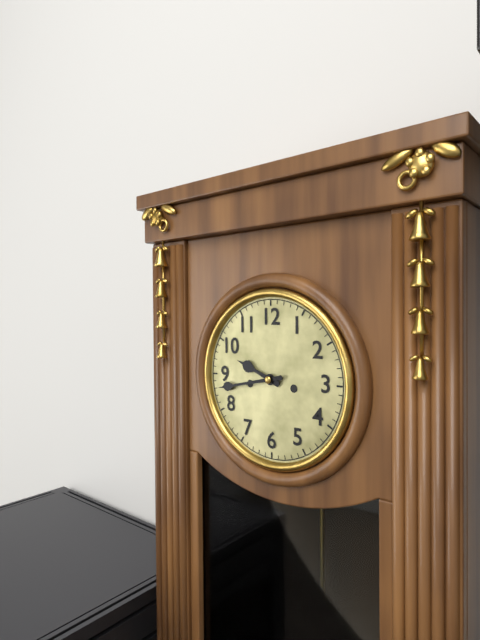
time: 9:43
